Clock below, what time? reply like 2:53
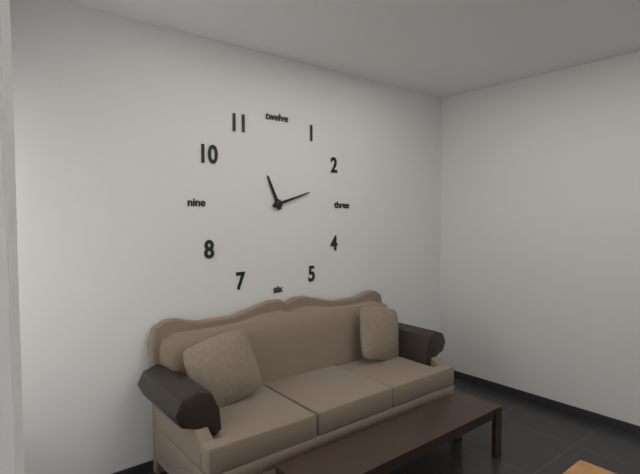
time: 11:12
